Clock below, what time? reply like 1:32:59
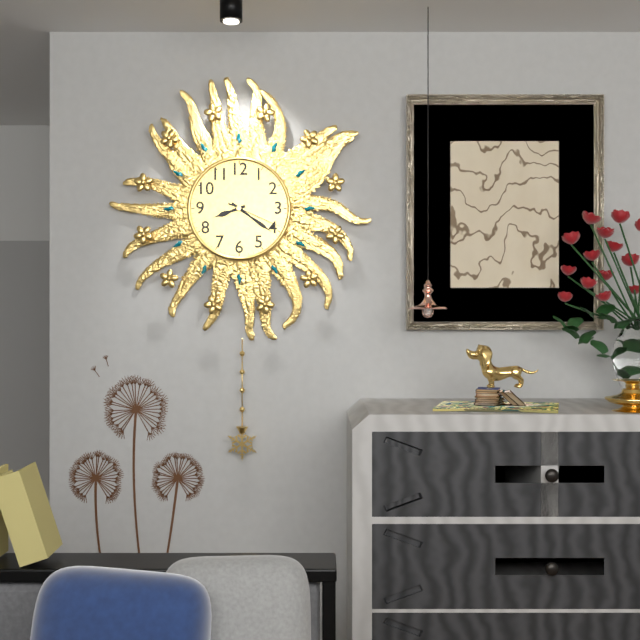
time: 8:21:19
